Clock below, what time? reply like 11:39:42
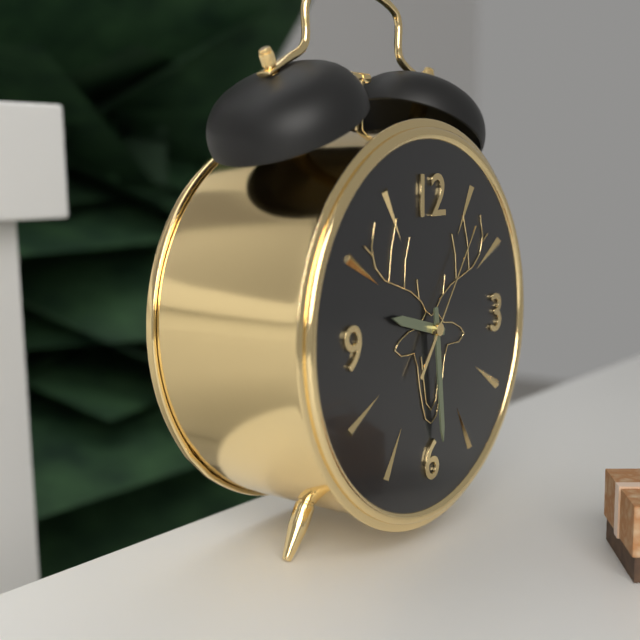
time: 9:29:06
